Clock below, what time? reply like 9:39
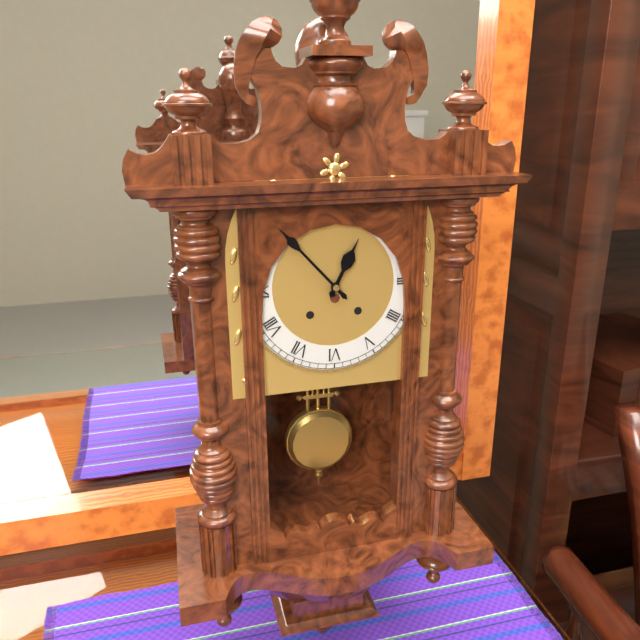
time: 12:53
